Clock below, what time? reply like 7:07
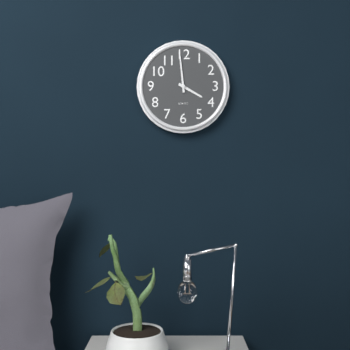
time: 3:59
